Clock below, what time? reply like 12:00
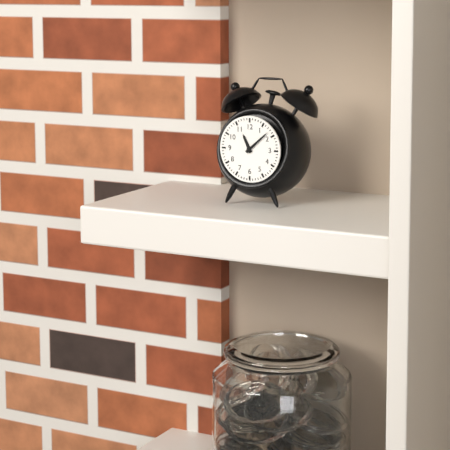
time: 11:08
